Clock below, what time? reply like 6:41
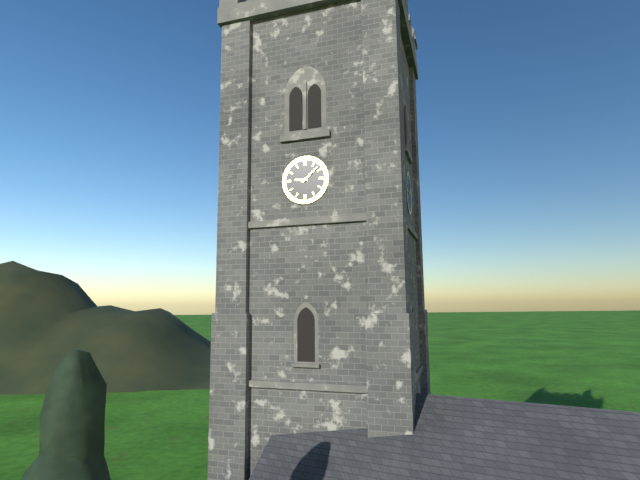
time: 9:08
